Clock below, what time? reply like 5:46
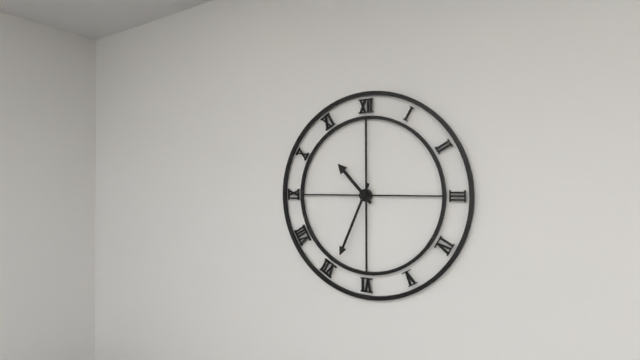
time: 10:34
